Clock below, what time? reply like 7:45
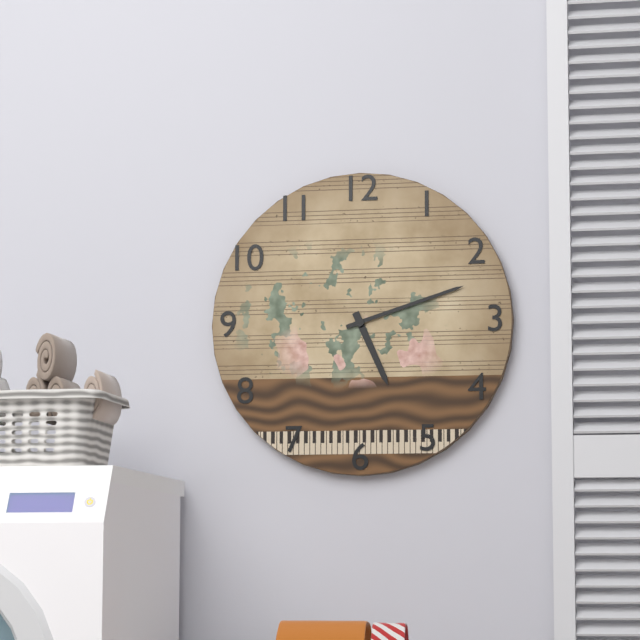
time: 5:12
